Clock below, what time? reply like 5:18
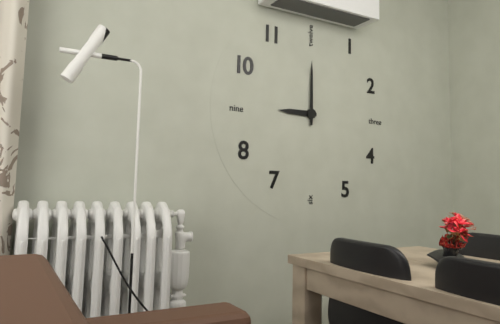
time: 9:00
